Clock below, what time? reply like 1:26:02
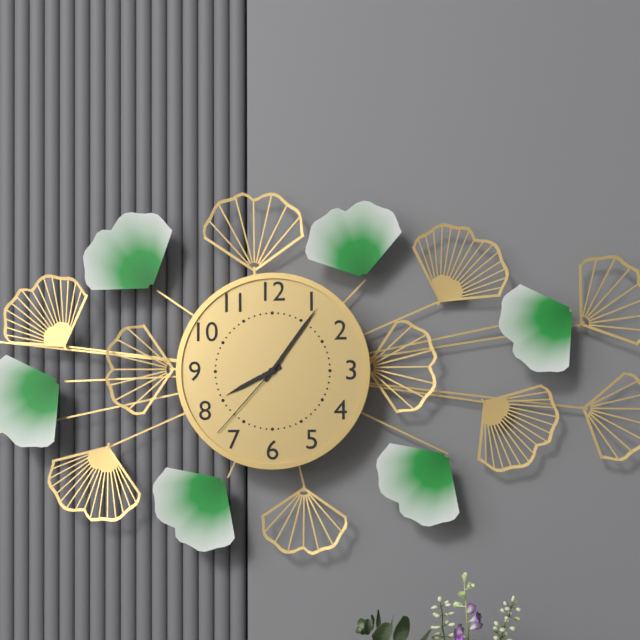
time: 8:06:37
